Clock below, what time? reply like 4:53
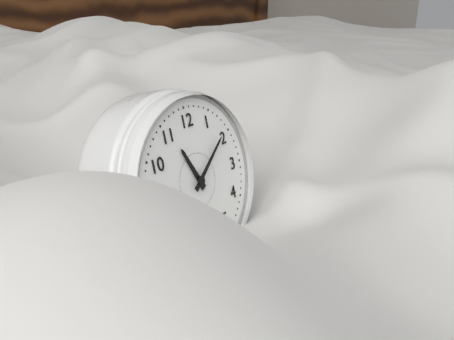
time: 11:09
